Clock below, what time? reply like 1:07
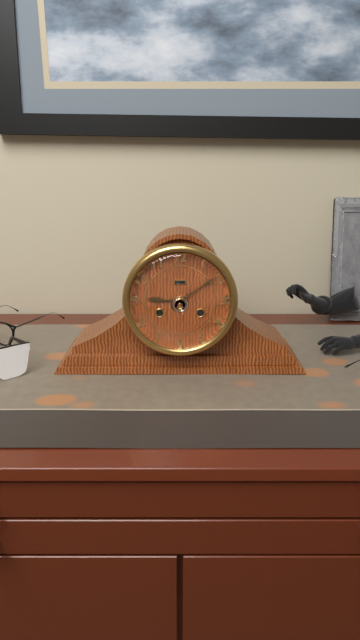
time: 9:09
